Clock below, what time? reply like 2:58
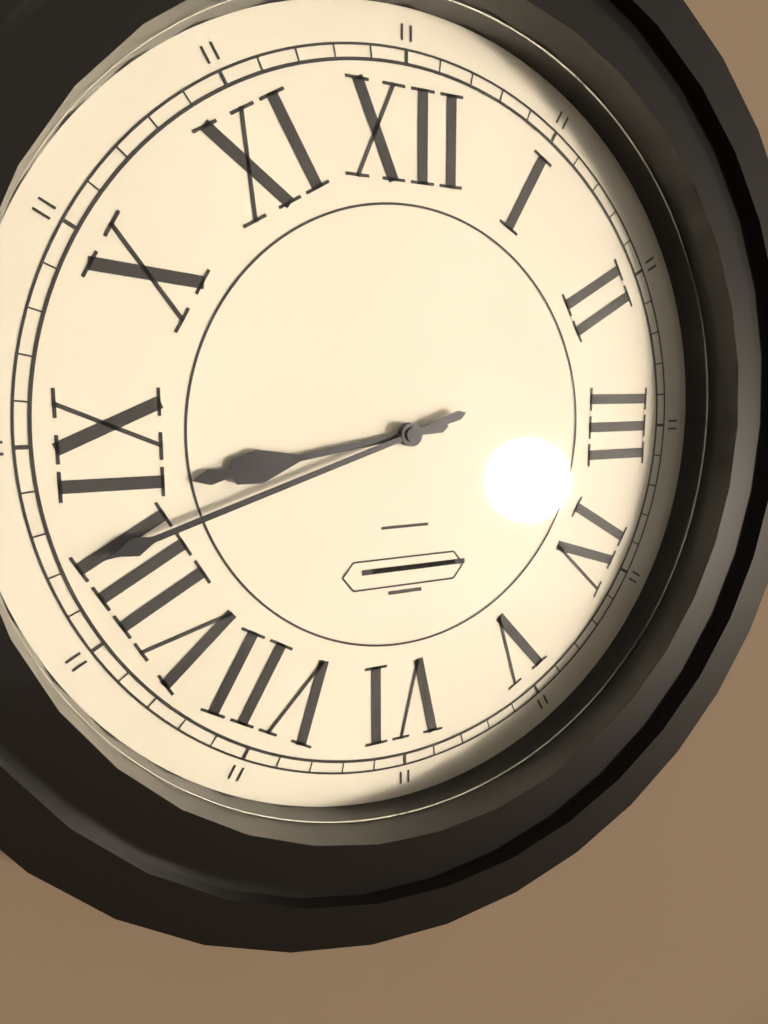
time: 8:42
